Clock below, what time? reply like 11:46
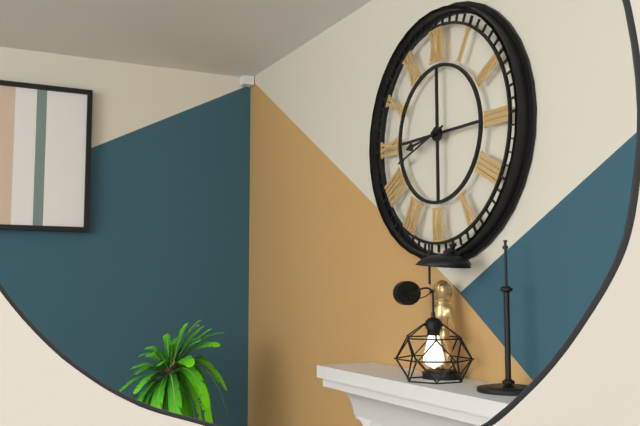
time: 8:42
